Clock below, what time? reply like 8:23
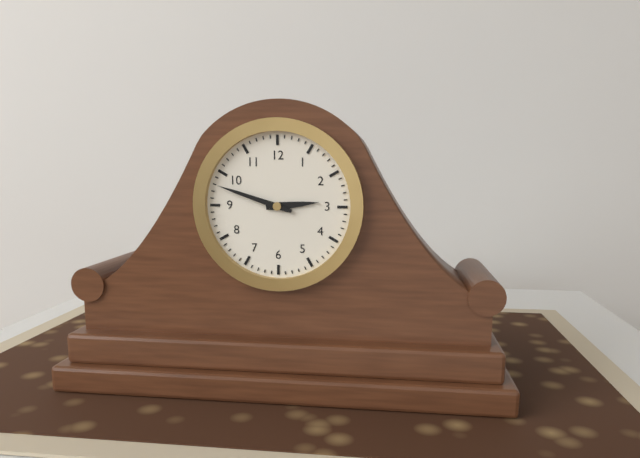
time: 2:48
